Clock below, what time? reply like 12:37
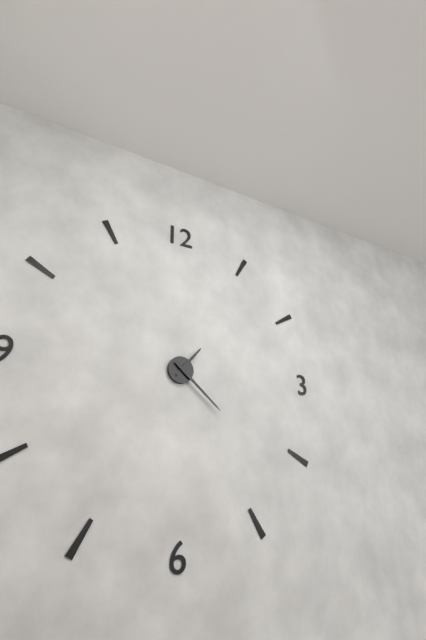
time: 1:22
